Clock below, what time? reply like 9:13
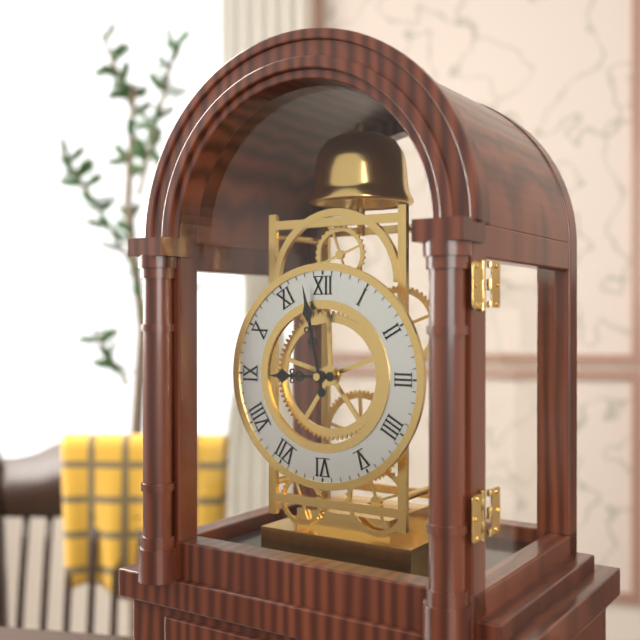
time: 8:58
